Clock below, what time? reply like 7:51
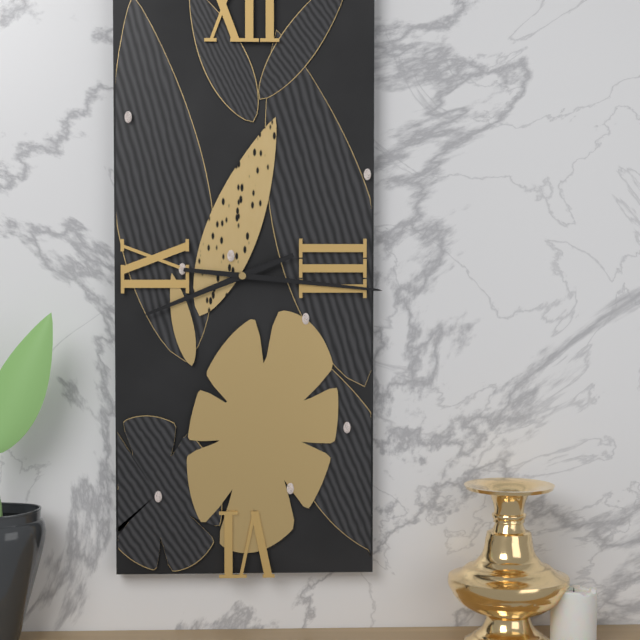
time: 8:16
